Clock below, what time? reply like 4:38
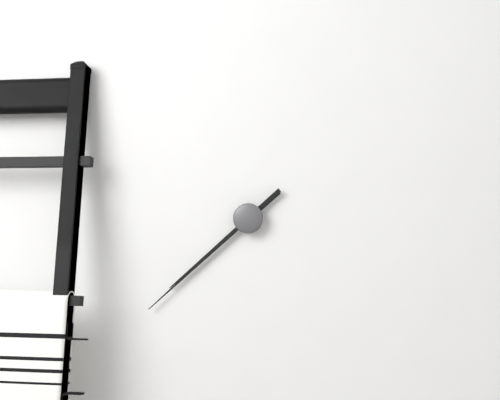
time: 7:38
